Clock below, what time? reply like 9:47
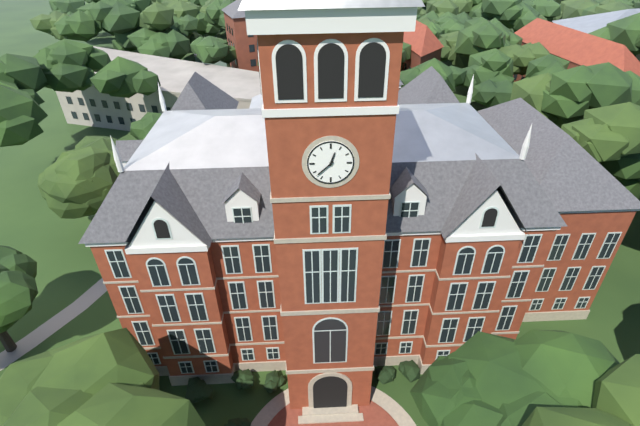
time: 12:38
